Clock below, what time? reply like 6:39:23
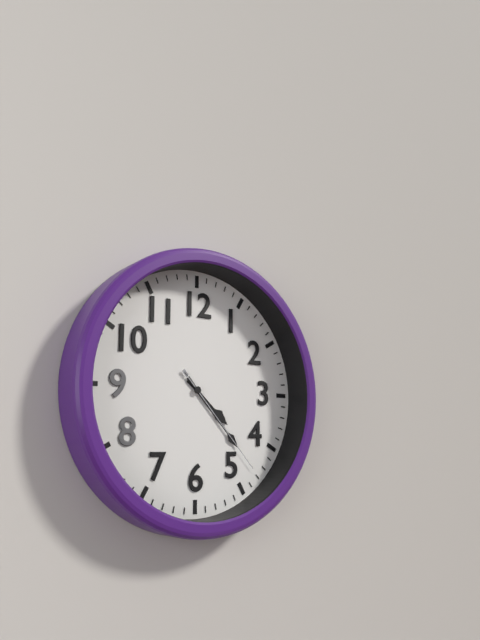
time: 4:23:23
